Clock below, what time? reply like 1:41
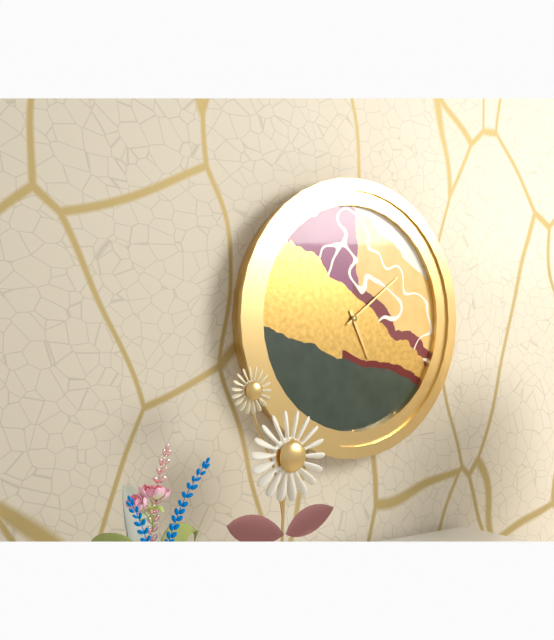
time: 5:09
